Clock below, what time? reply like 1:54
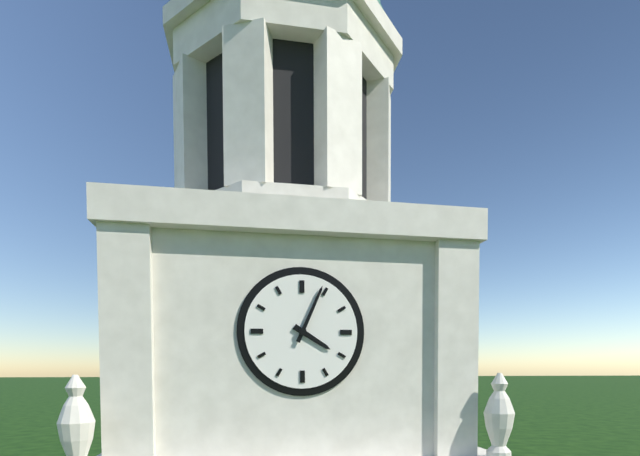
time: 4:04
